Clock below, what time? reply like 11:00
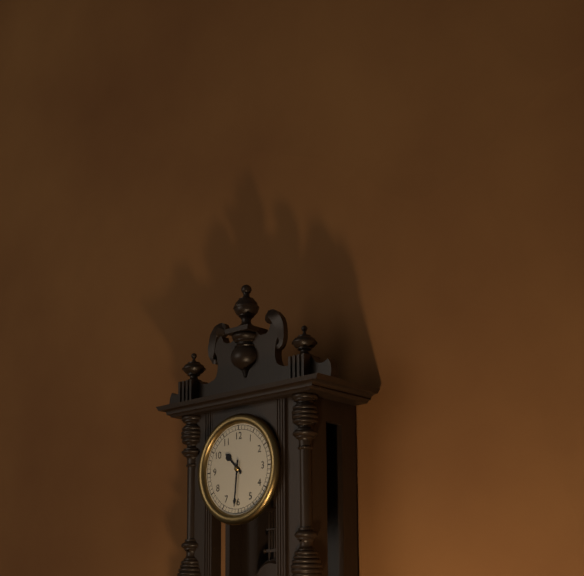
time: 10:31
